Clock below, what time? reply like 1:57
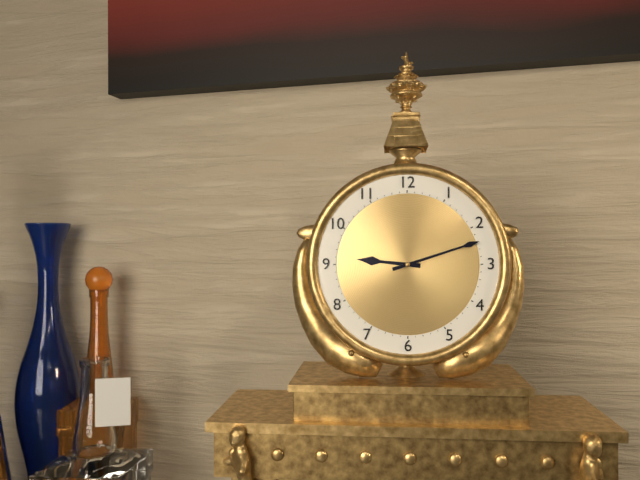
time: 9:12
